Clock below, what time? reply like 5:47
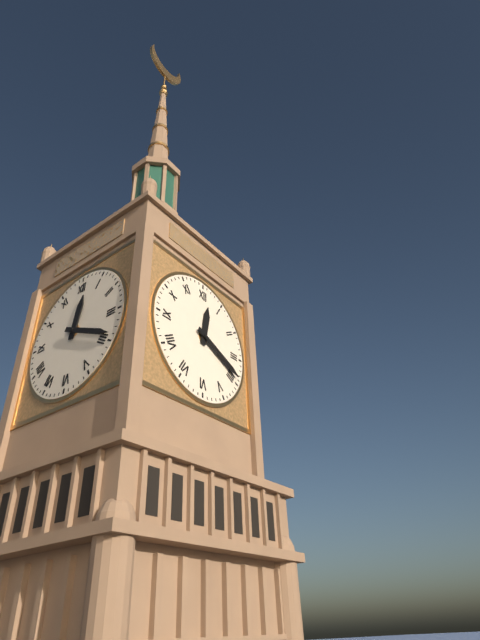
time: 12:19
